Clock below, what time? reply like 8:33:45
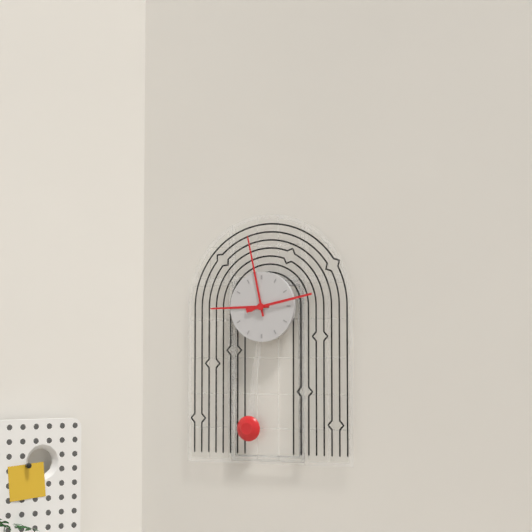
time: 8:58:13
